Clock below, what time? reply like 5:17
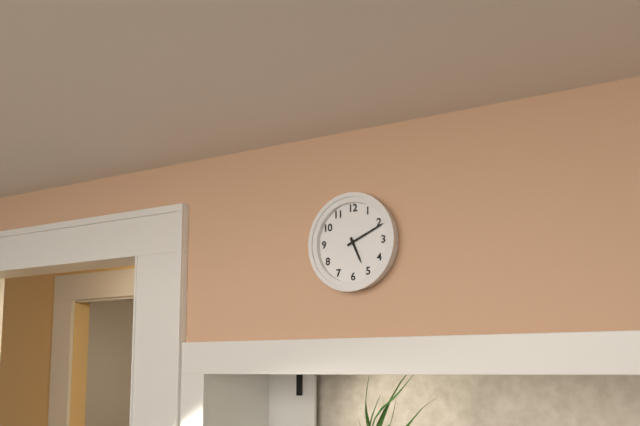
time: 5:11
